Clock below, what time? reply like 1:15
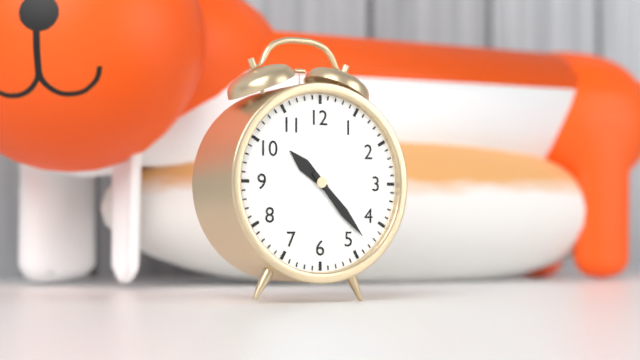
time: 10:23
